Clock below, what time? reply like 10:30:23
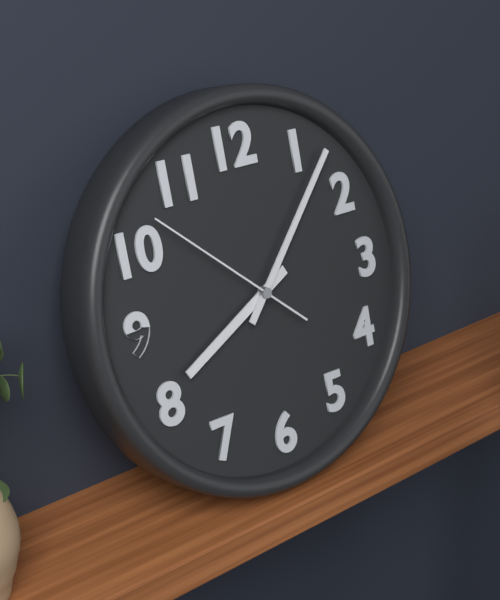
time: 8:07:52
